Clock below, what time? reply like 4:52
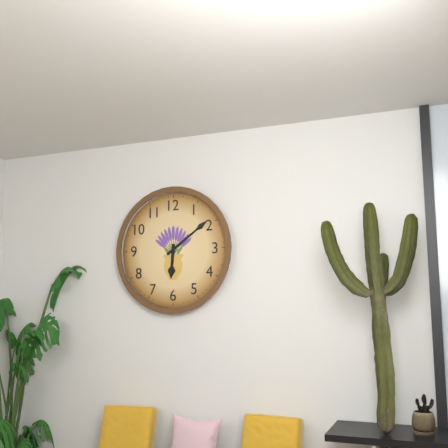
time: 6:09
